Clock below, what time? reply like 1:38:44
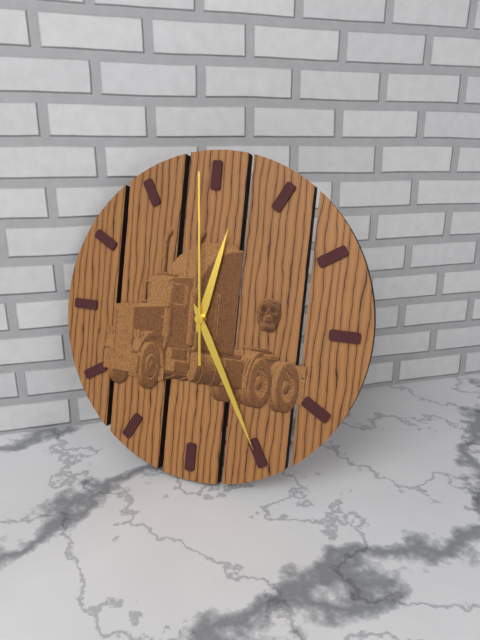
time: 12:25:59
